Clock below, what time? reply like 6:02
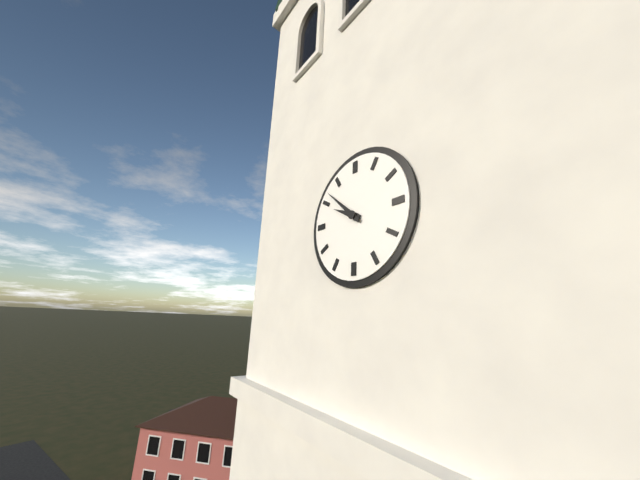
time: 9:52
